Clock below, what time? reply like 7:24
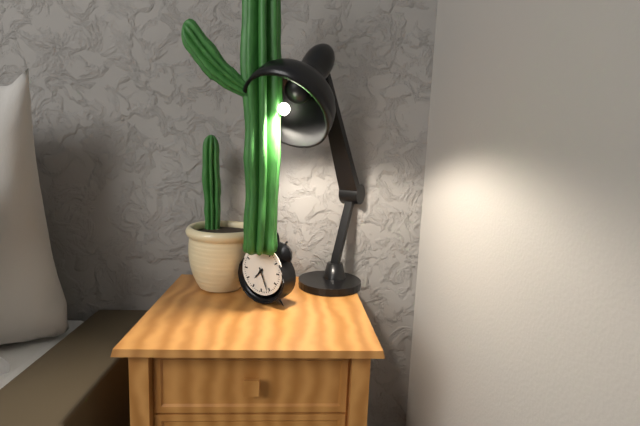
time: 7:26
